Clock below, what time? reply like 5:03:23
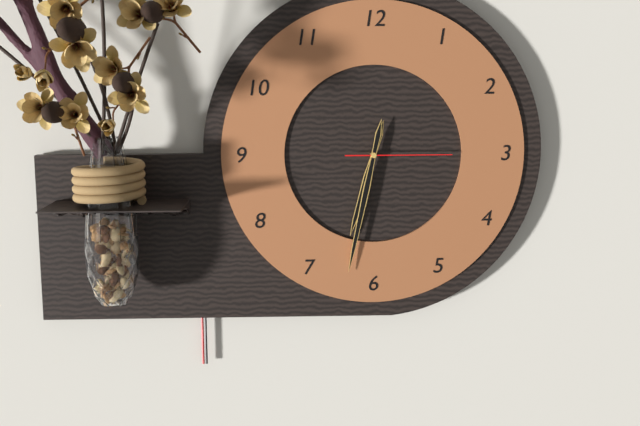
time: 6:32:15
